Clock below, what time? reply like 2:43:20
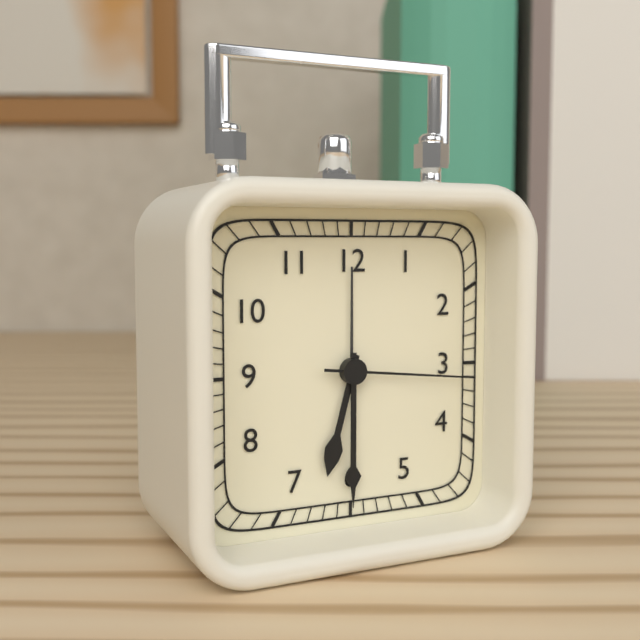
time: 6:30:16
